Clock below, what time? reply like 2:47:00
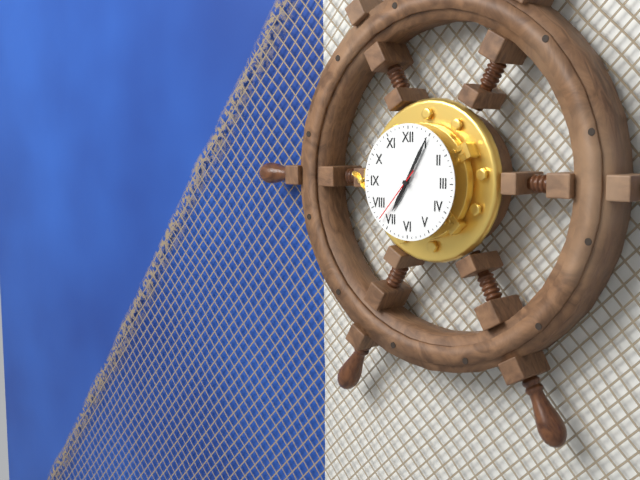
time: 7:05:37
